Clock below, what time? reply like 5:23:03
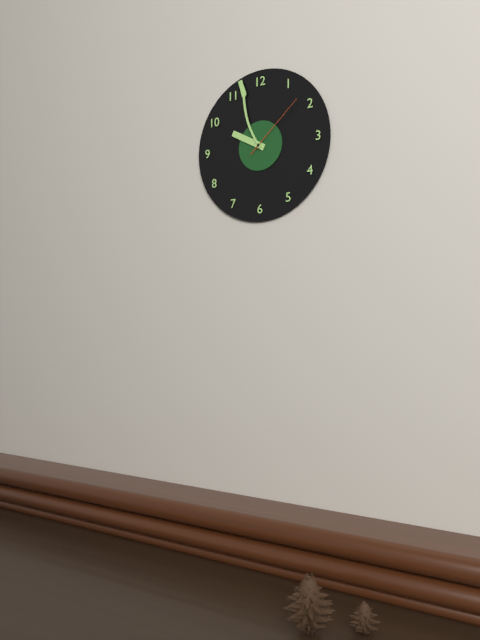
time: 9:57:08
